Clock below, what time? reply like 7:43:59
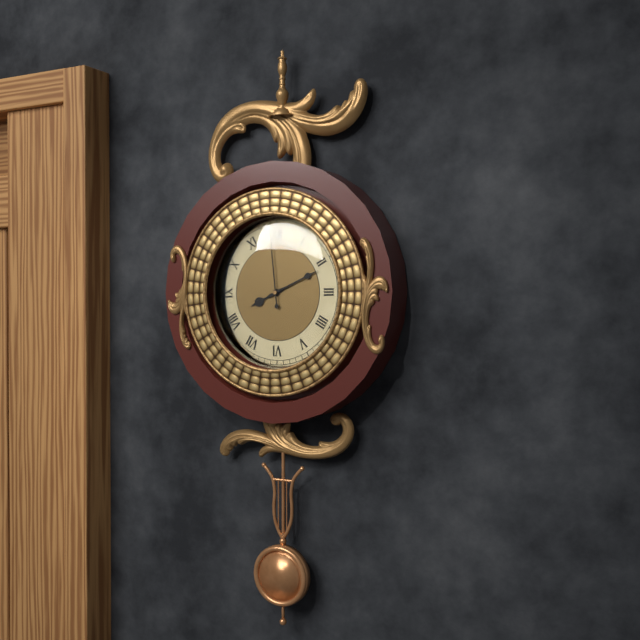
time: 8:11:59
